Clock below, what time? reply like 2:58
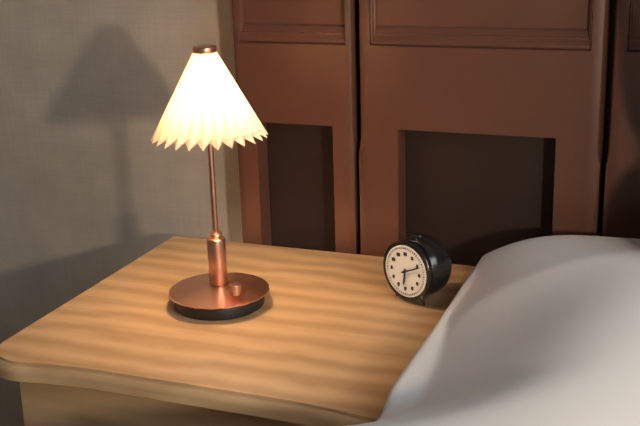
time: 6:11
